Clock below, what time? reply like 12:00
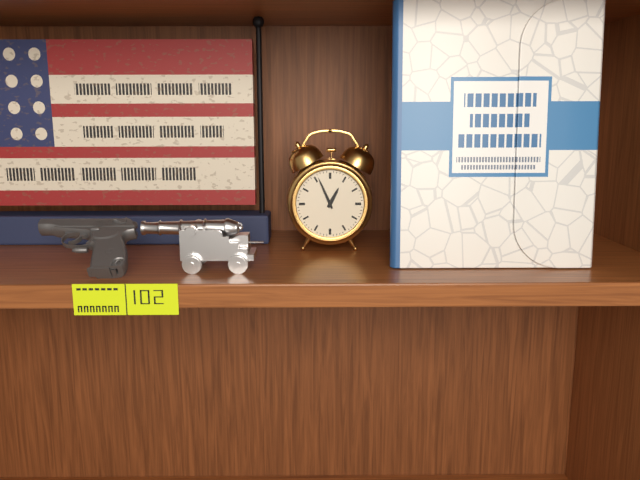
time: 12:56
